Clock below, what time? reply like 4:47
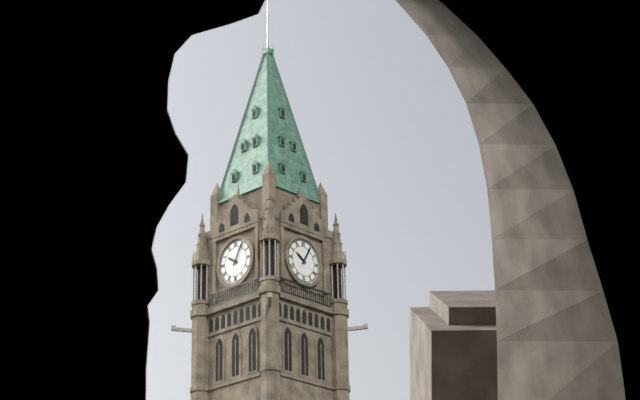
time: 10:05
